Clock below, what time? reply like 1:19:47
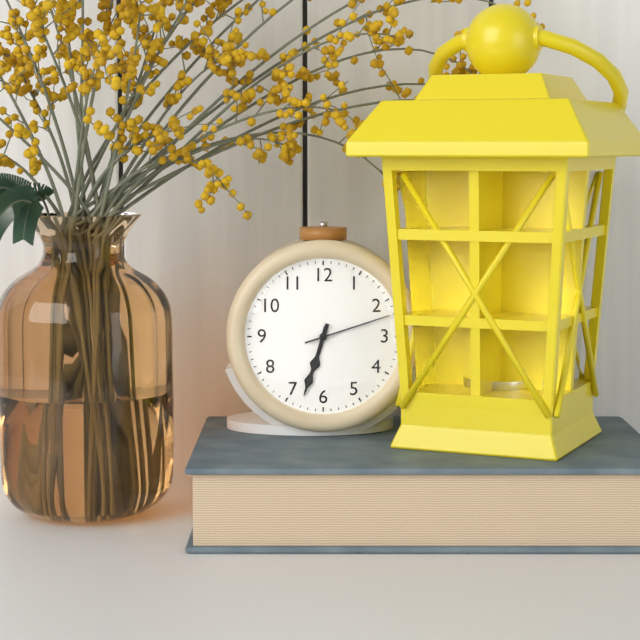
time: 6:33:12
